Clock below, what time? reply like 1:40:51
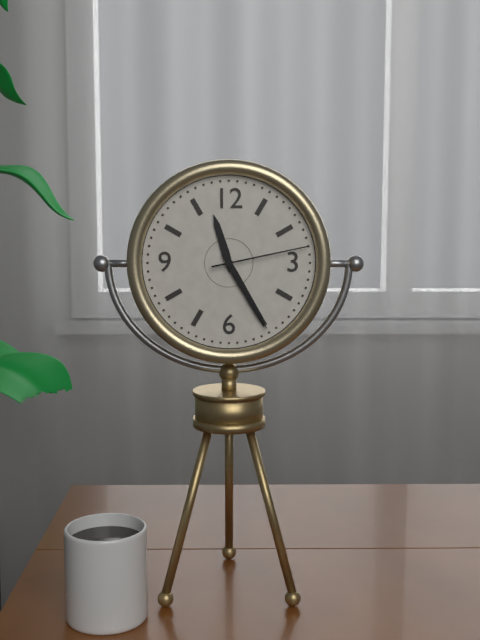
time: 11:25:13
